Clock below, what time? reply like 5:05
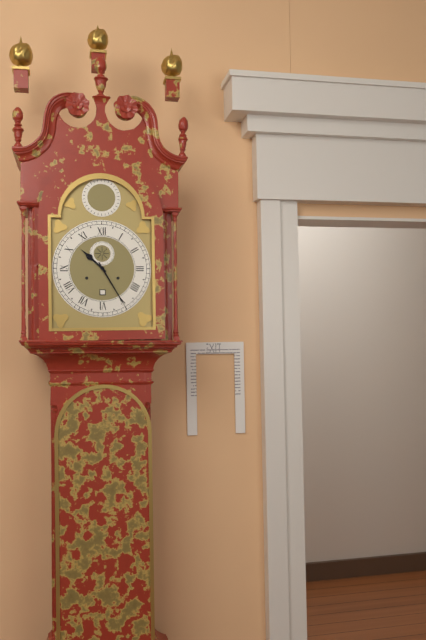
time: 10:25
